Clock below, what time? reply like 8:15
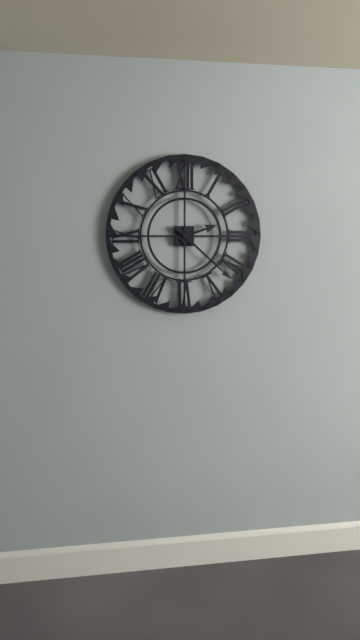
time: 2:22
